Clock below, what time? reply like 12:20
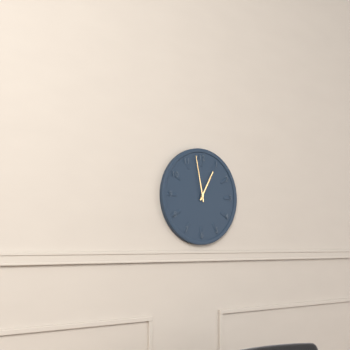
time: 12:58
